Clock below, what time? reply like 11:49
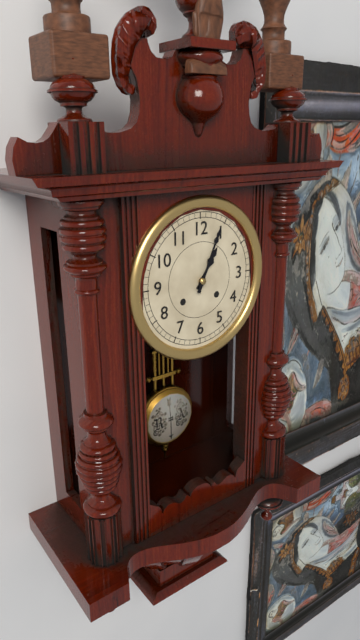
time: 1:04
